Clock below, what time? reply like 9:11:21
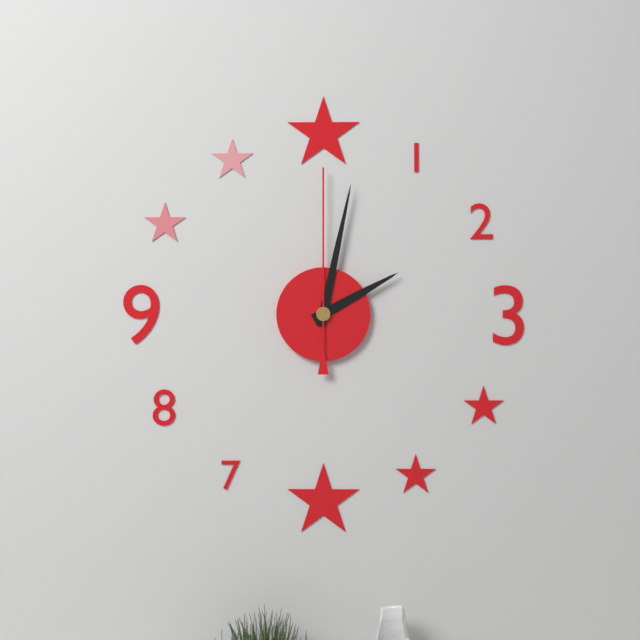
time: 2:02:00
